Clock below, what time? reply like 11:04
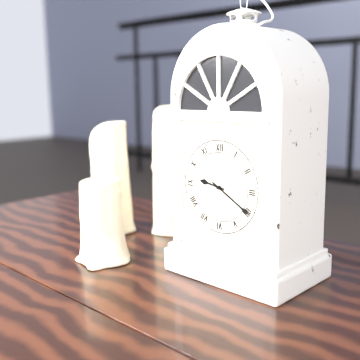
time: 9:20
